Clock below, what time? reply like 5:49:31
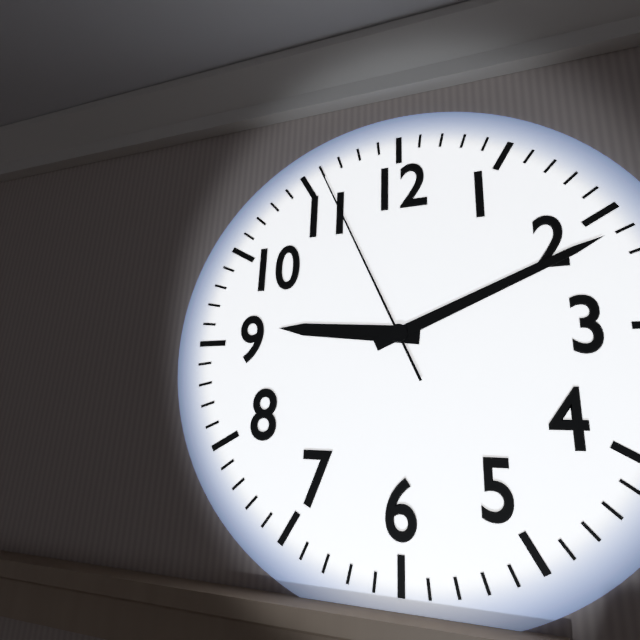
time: 9:11:56
